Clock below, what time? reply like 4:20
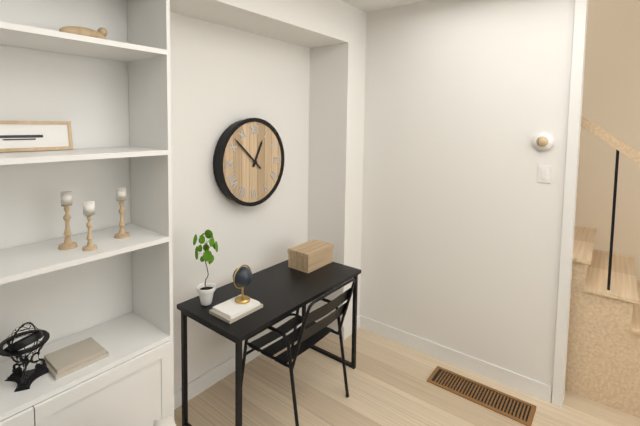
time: 12:52
